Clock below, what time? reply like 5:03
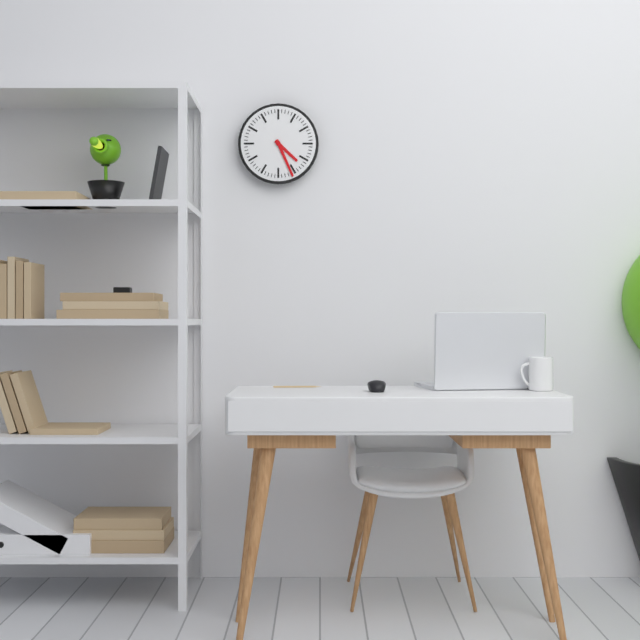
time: 4:26
